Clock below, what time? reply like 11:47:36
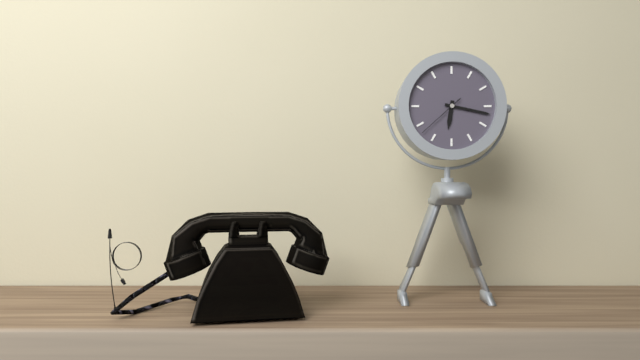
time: 6:17:38
